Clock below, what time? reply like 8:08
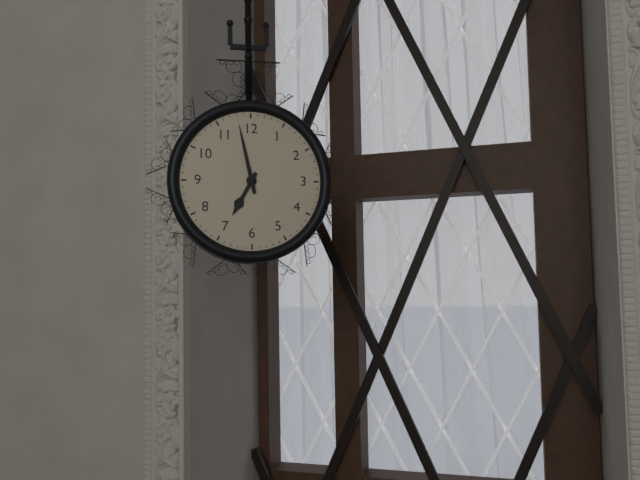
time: 6:58
